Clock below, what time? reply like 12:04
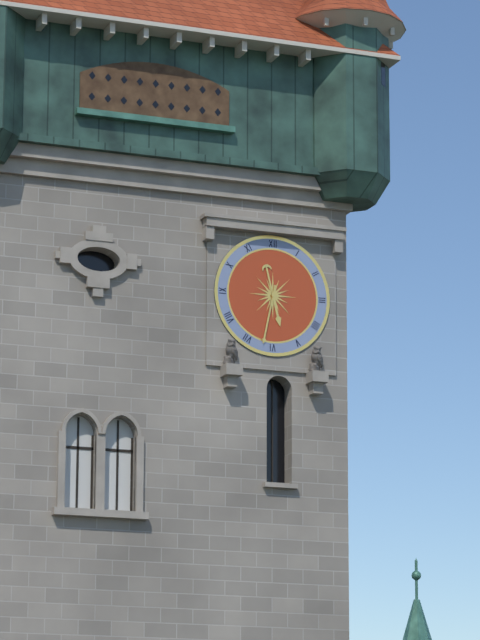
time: 5:32
